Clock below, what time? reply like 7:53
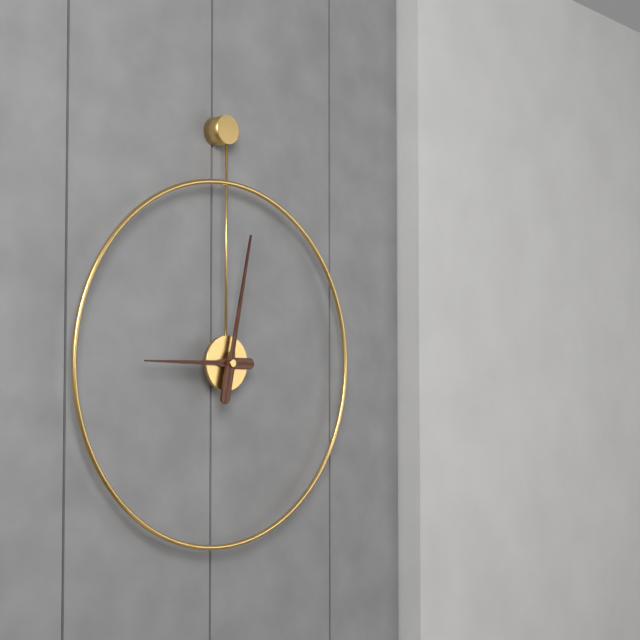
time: 9:02
